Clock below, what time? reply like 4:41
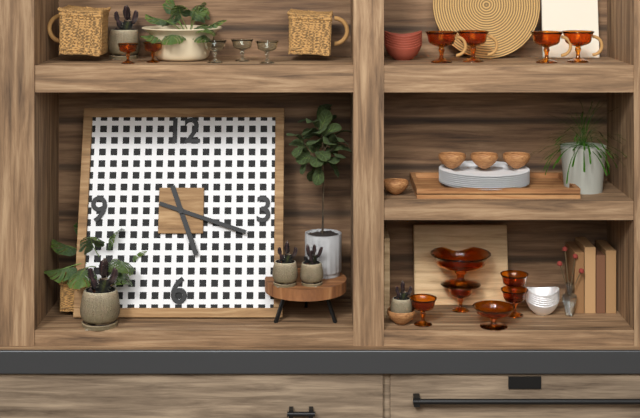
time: 5:18
